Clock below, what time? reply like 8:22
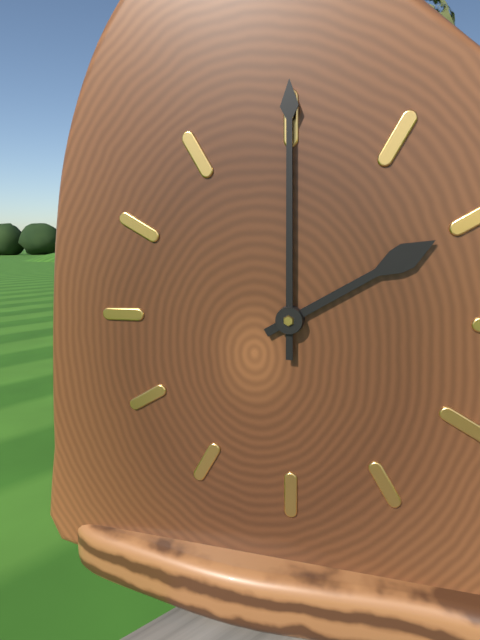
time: 2:00
